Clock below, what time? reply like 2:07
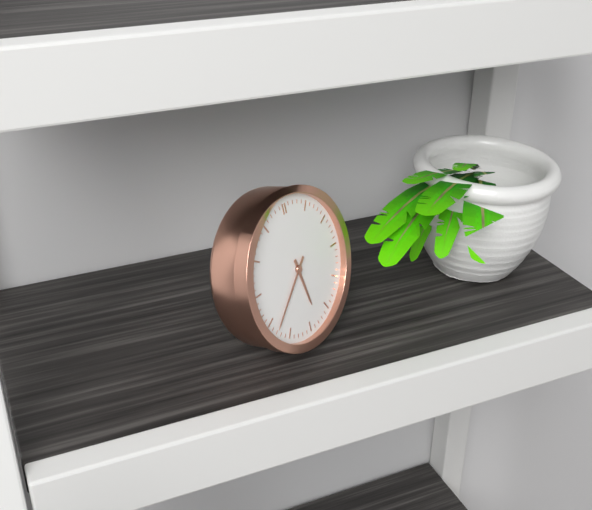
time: 5:38
